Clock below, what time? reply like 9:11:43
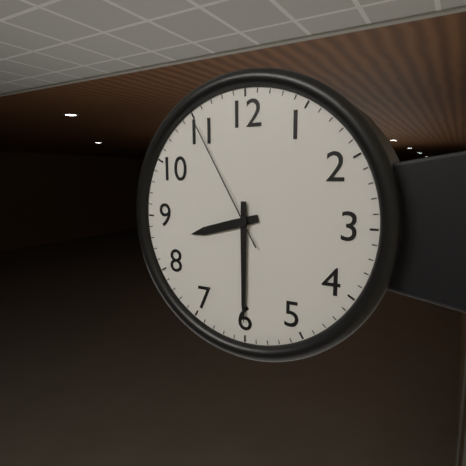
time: 8:30:55
